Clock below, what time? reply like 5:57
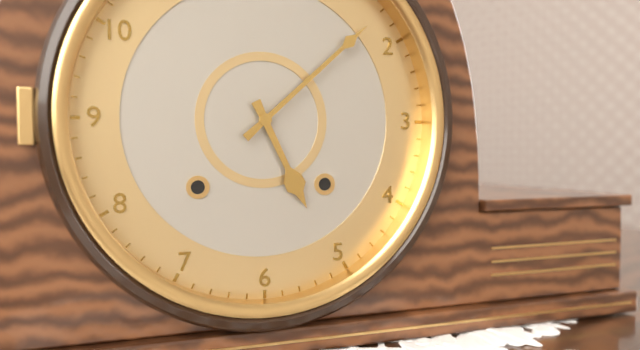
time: 5:08
